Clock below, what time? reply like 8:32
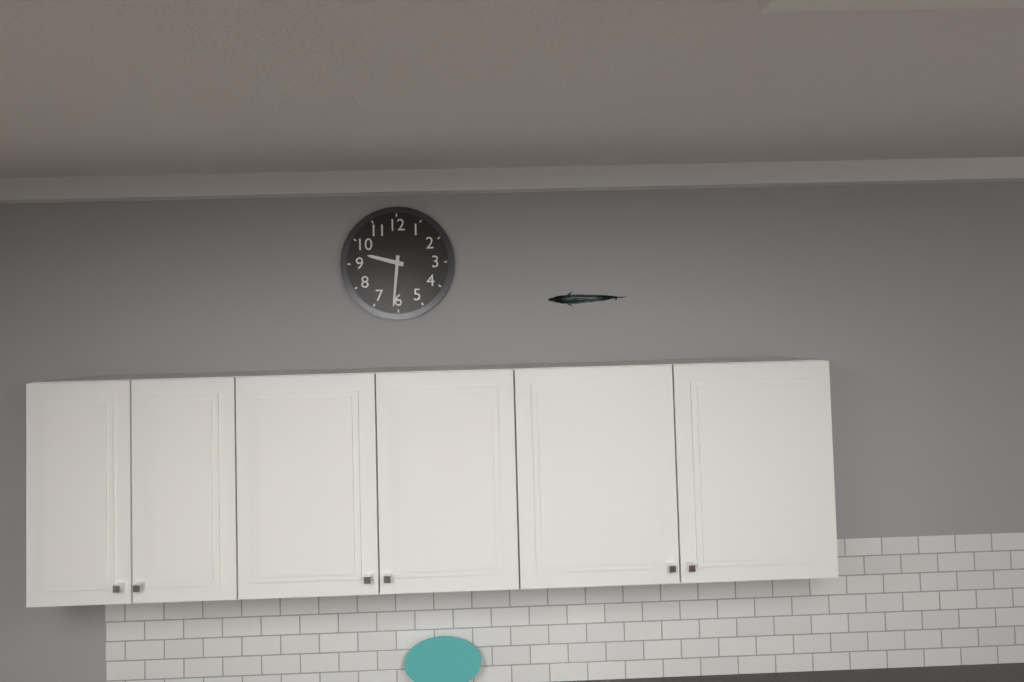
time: 9:31
